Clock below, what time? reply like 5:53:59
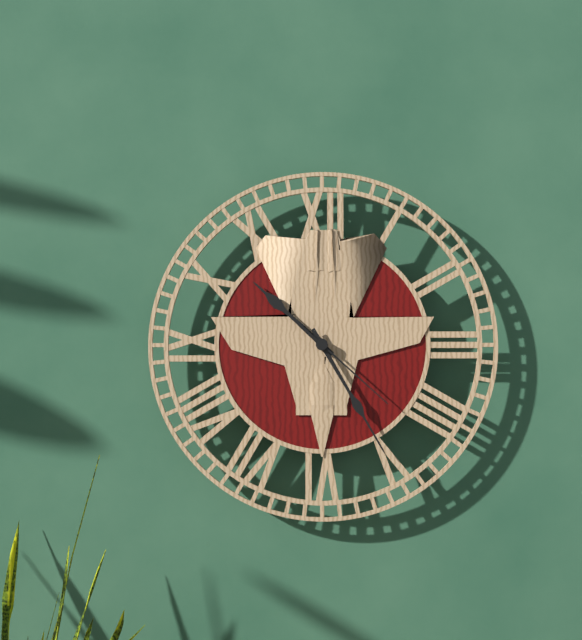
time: 10:25:22
